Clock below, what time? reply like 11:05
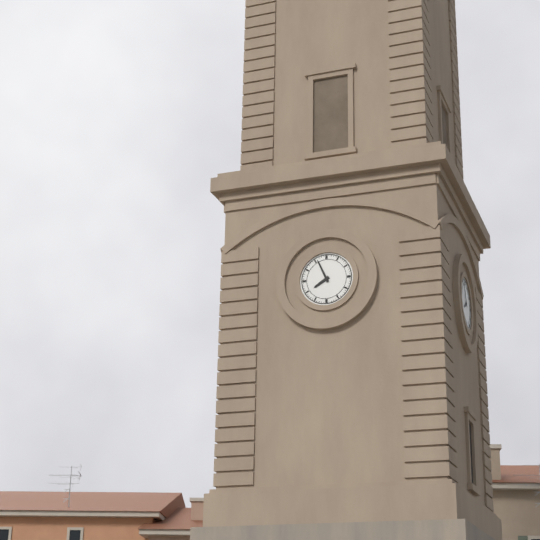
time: 7:56
